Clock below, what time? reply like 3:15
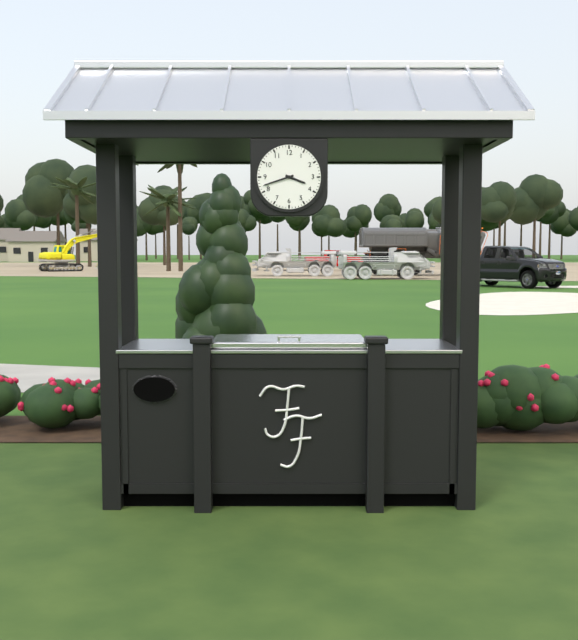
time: 3:42
